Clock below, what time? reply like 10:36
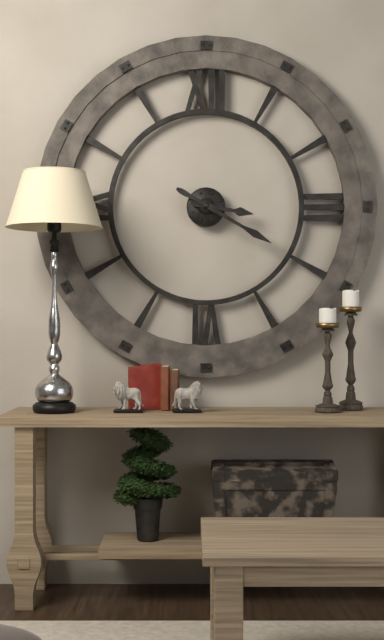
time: 3:20
